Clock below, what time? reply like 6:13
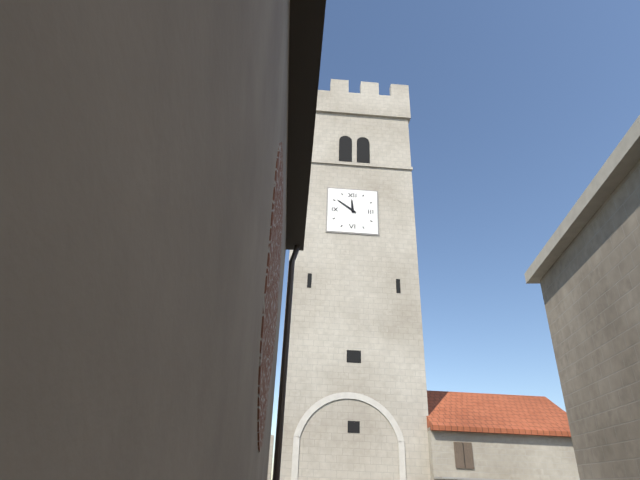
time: 11:51
